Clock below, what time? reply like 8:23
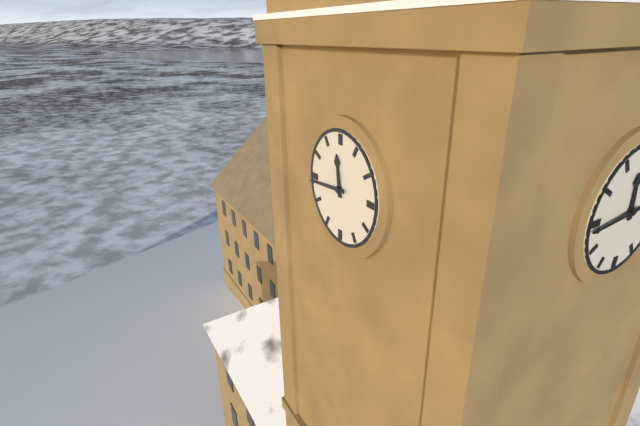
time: 11:44
